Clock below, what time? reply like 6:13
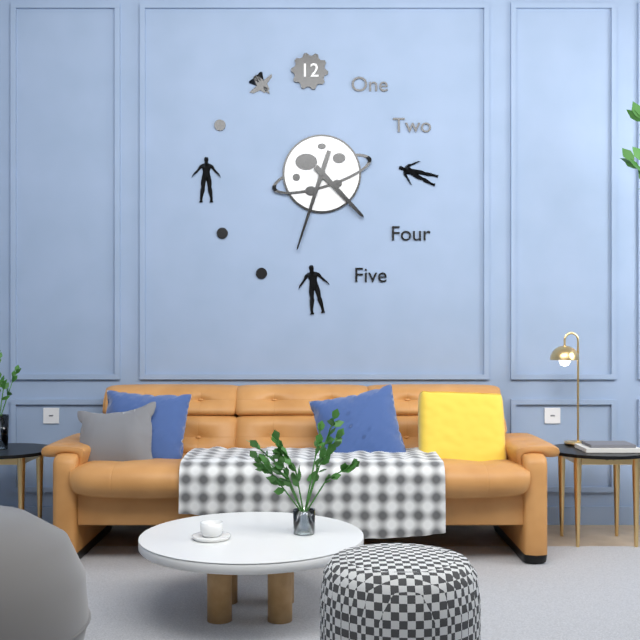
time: 4:33
